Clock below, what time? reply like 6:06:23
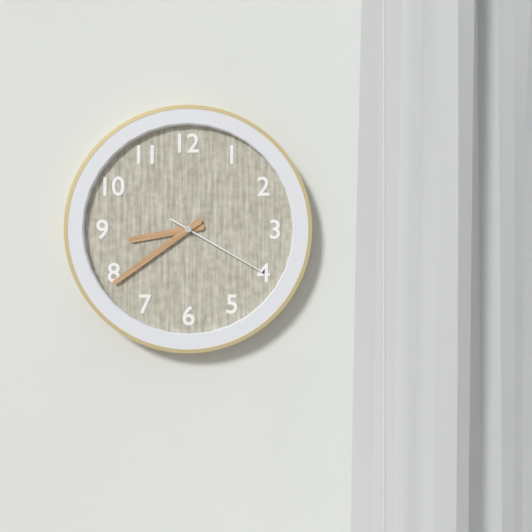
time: 8:39:20
